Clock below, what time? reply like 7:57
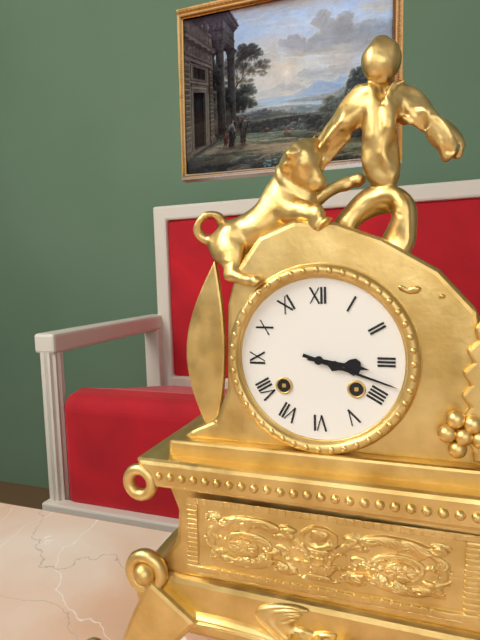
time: 3:18
